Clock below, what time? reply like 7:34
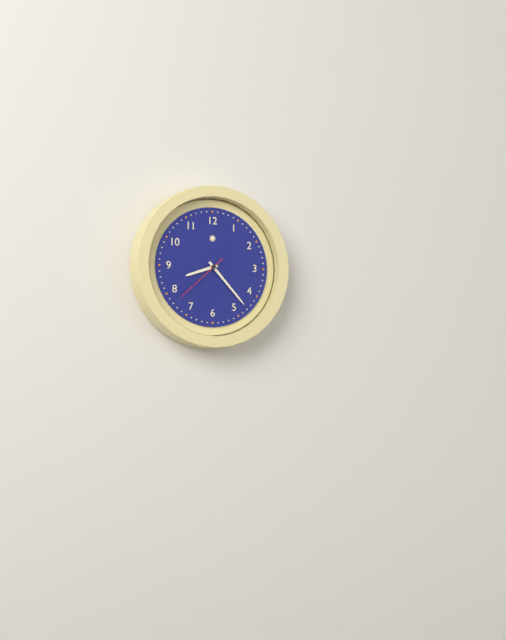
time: 8:23
